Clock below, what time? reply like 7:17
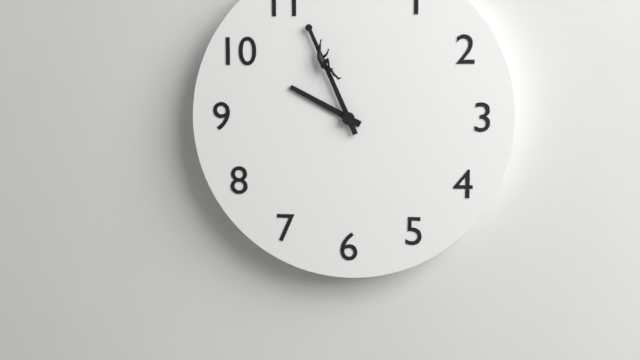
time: 9:56
